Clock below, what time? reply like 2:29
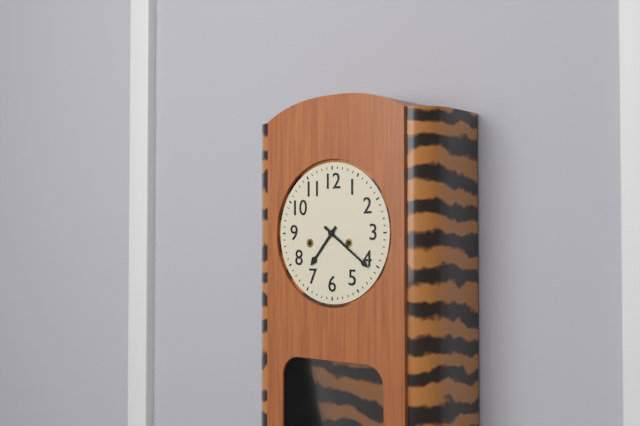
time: 7:21
